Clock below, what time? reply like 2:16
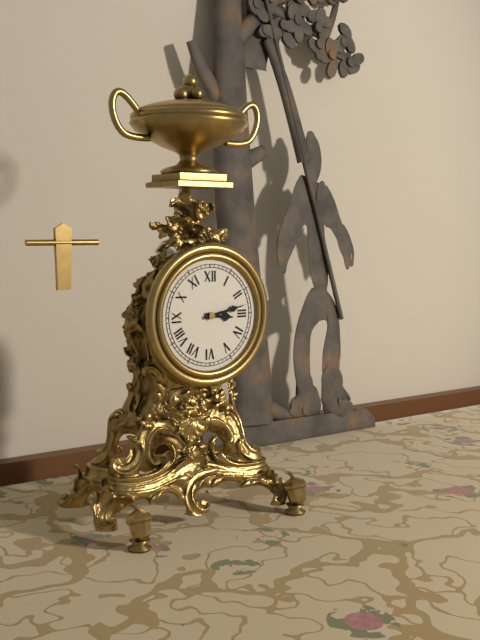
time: 3:13
